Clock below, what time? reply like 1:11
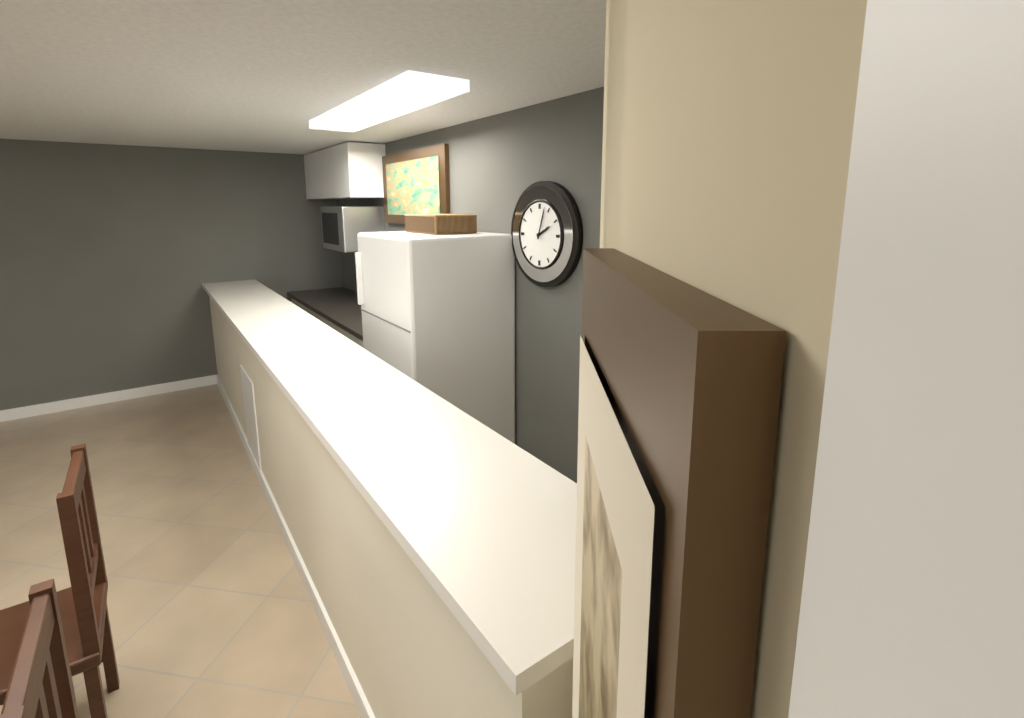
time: 2:03
